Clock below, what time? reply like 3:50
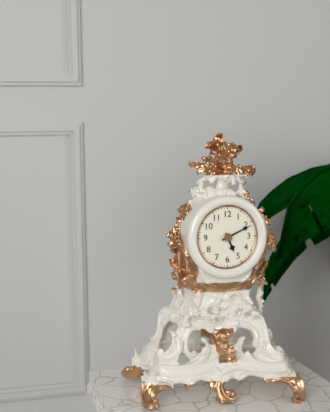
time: 5:11
